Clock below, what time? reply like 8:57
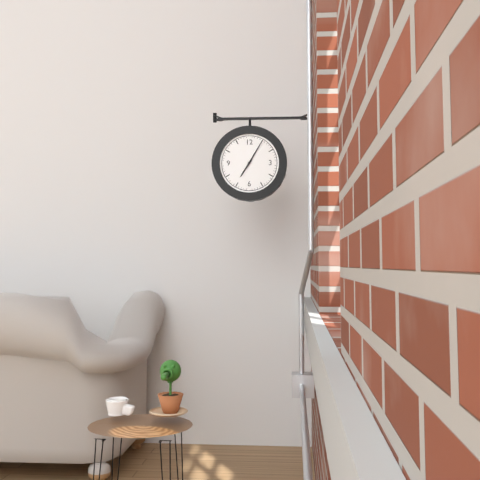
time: 7:05
